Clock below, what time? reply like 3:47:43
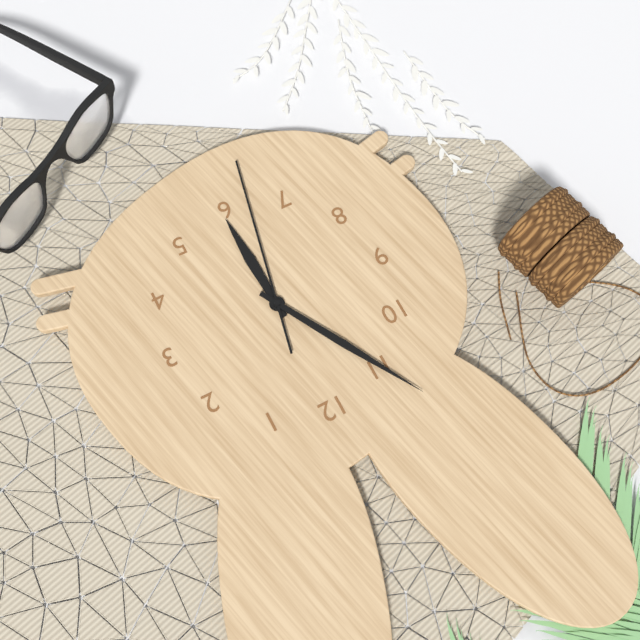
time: 5:55:32
